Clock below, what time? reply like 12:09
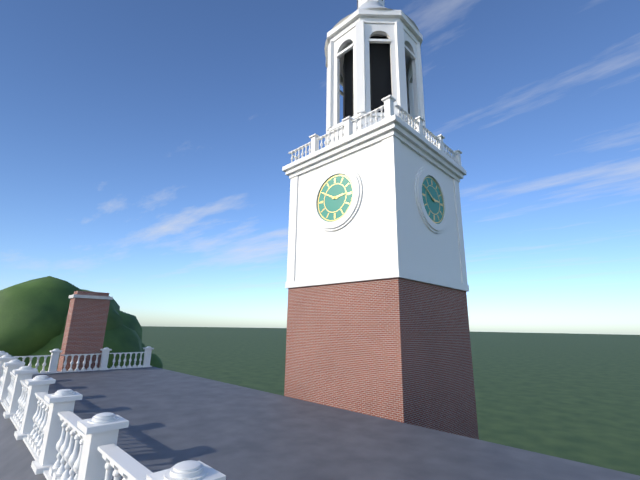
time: 2:50
